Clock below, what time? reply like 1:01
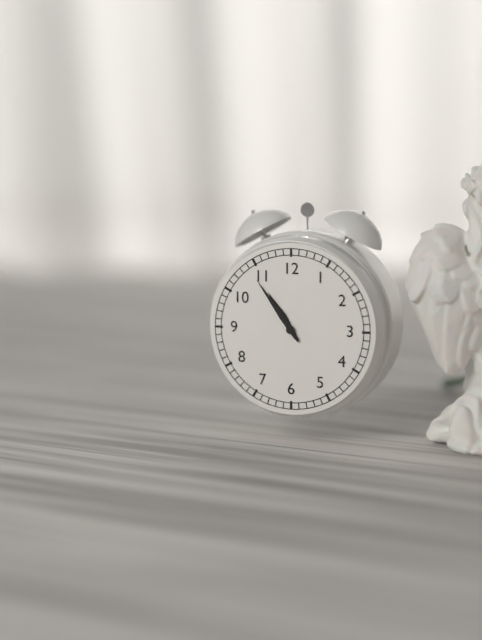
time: 10:54
